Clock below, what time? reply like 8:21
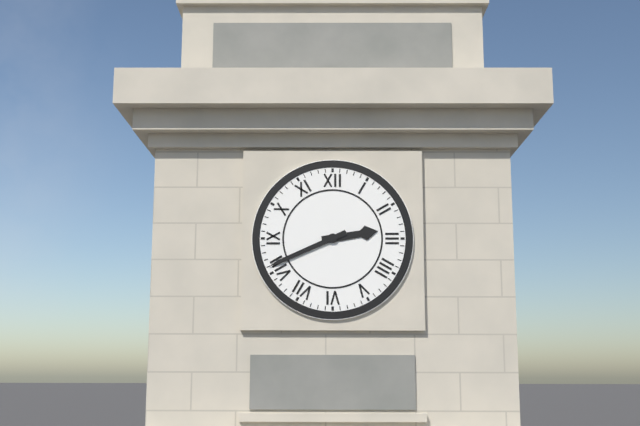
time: 2:41
